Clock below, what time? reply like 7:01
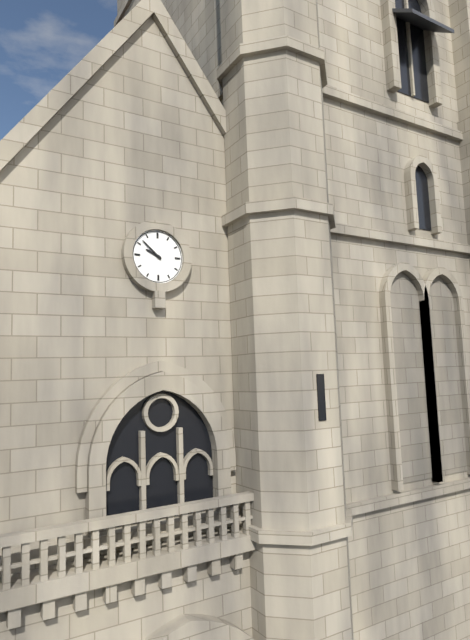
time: 9:52
